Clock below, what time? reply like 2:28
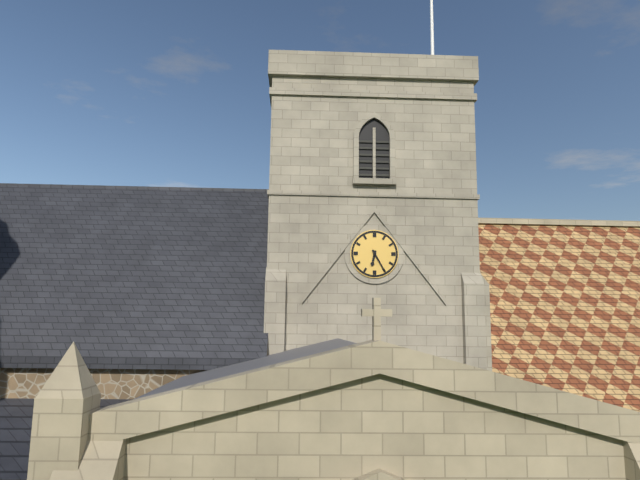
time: 6:25
